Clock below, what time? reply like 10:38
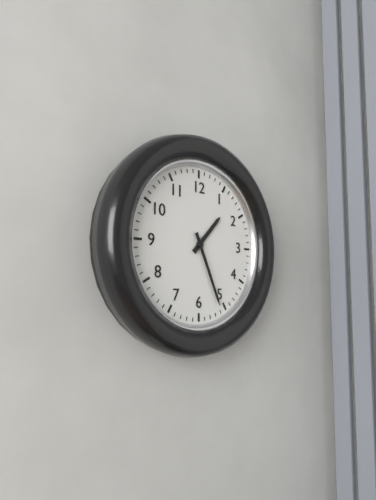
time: 1:26
